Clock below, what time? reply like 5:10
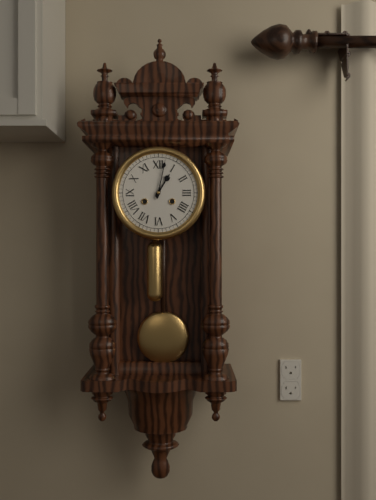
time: 1:02
